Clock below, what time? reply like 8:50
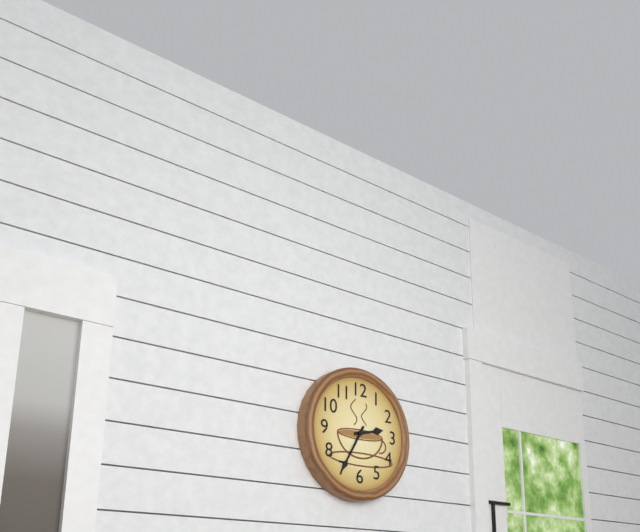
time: 2:35
